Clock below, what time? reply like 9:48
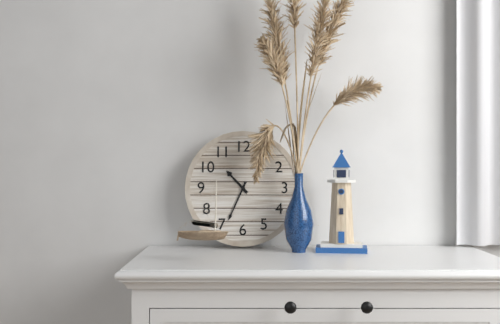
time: 10:34
